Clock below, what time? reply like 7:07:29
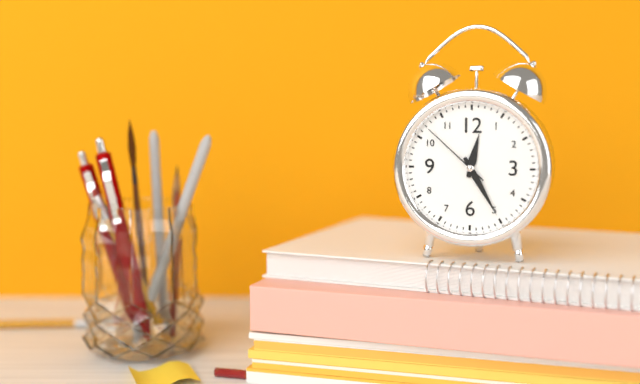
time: 12:25:52
